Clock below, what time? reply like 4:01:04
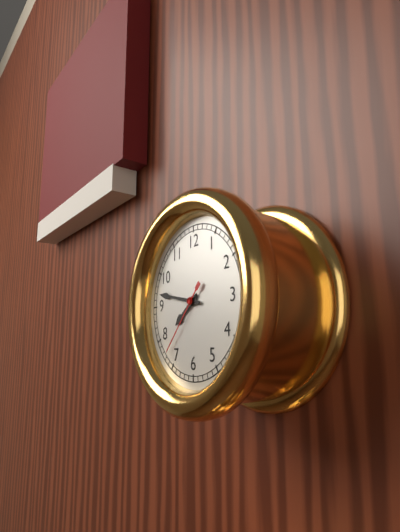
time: 7:47:37
